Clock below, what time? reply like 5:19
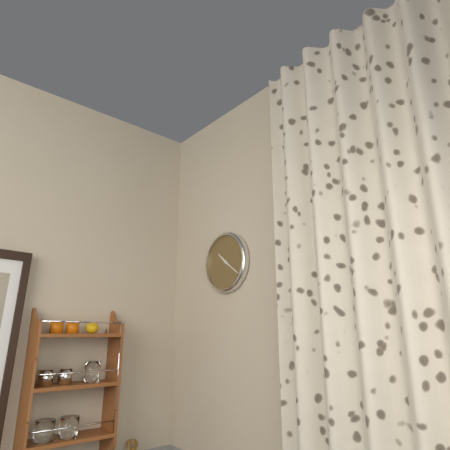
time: 10:21
